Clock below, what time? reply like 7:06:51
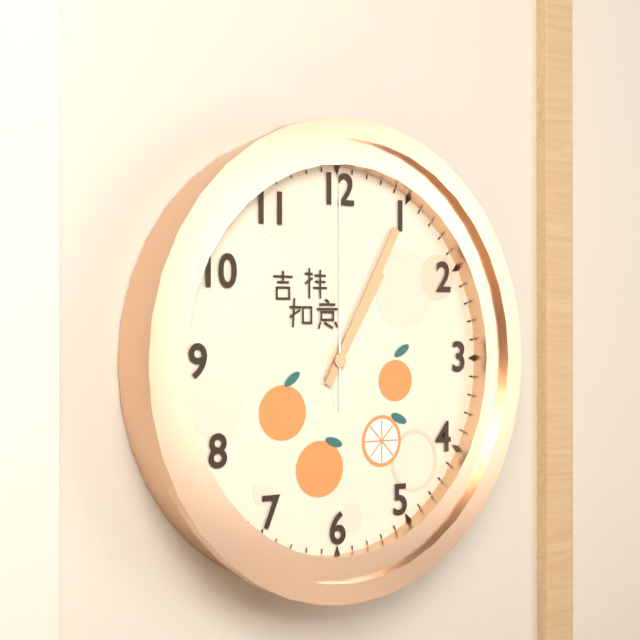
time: 1:05:00
